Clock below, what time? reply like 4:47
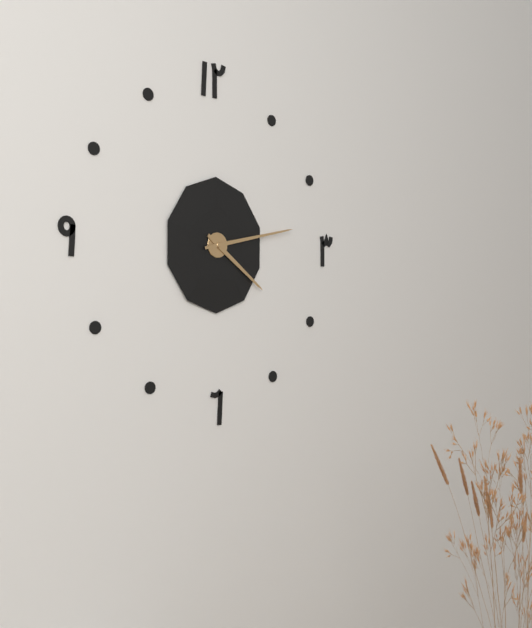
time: 4:13
